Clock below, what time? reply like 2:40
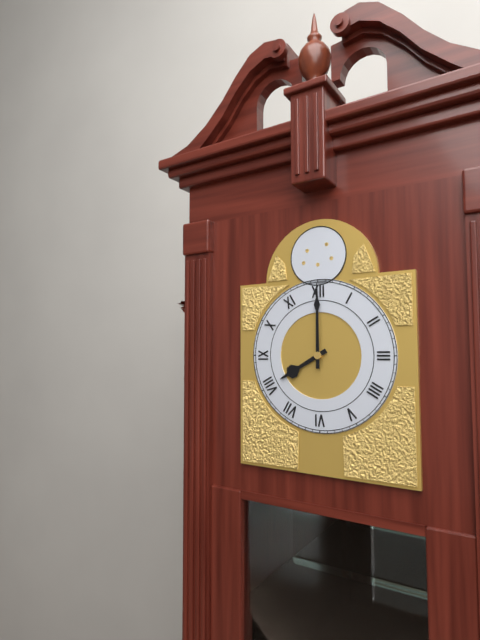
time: 8:00
